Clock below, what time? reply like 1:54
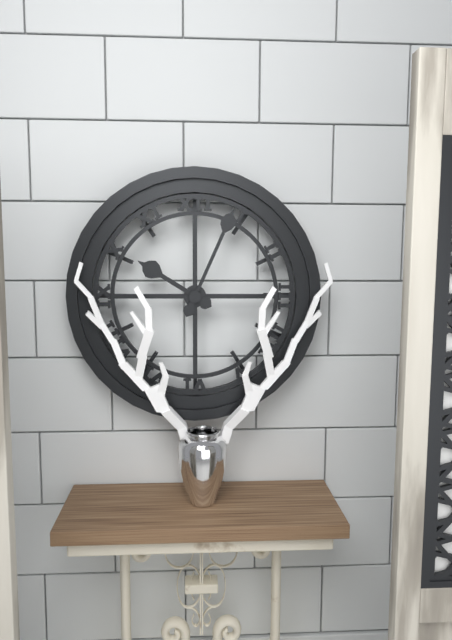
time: 10:04
